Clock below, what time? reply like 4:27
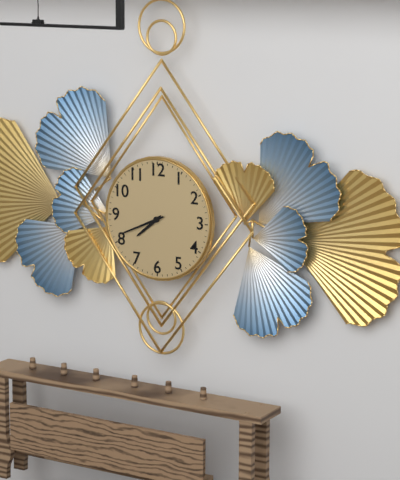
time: 7:41
